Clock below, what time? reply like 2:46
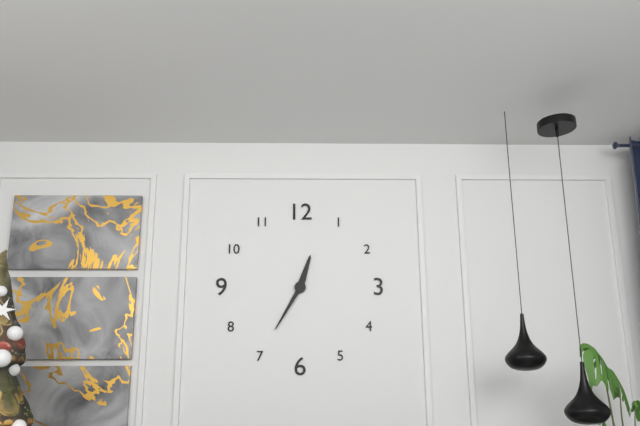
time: 12:35
